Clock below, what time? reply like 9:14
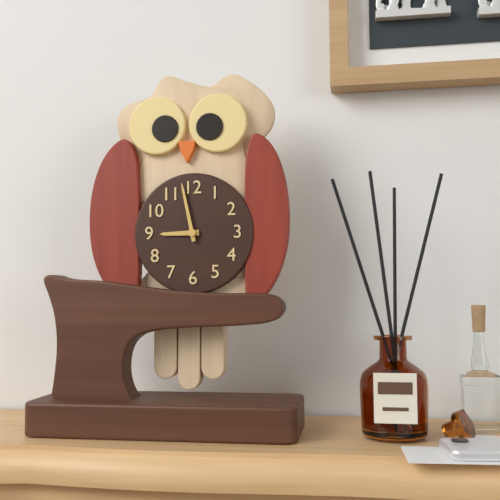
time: 8:58
